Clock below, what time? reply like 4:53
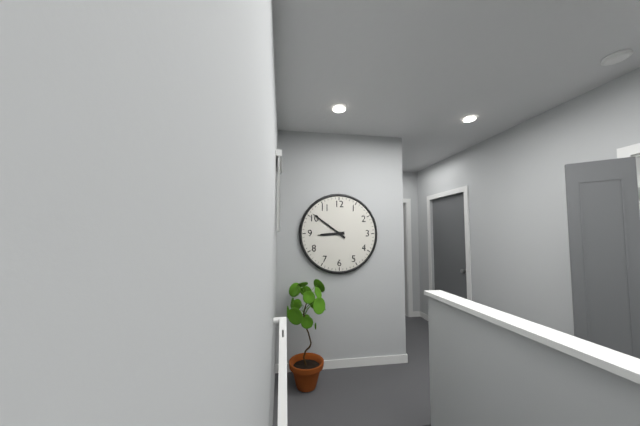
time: 8:51
